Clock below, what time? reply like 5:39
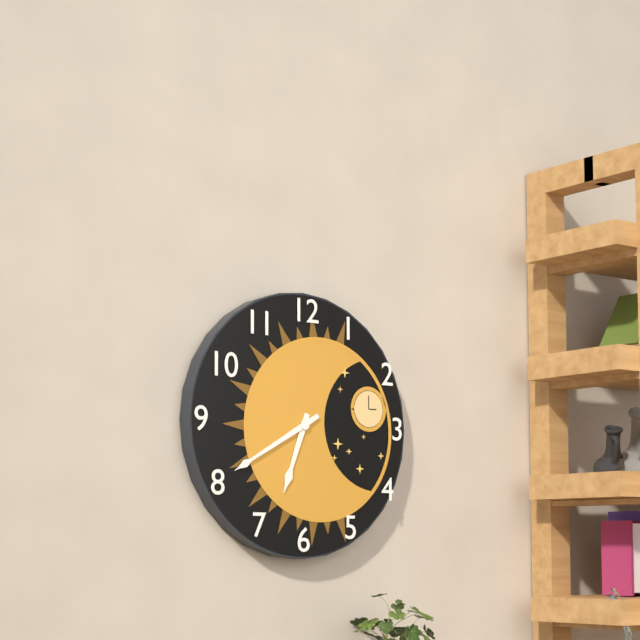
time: 6:40
